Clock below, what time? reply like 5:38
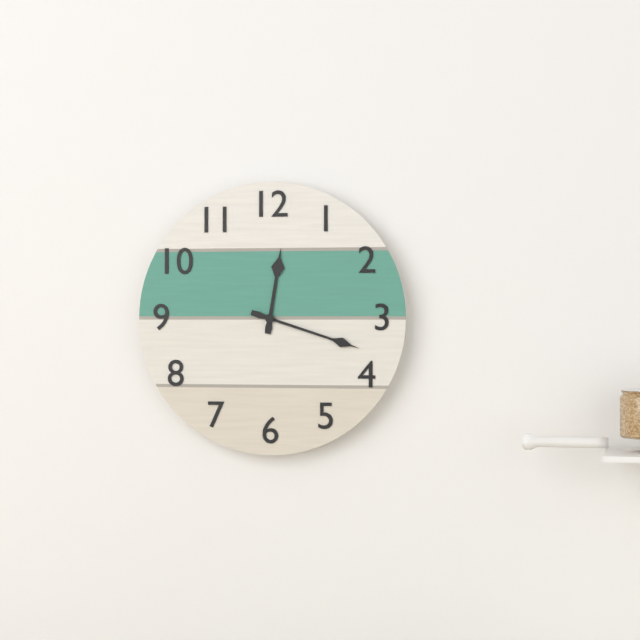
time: 12:18
